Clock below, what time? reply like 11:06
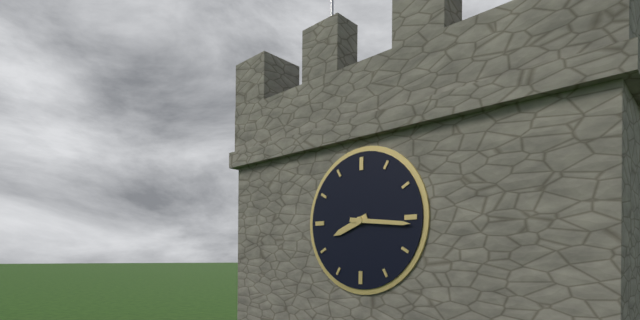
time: 8:16
